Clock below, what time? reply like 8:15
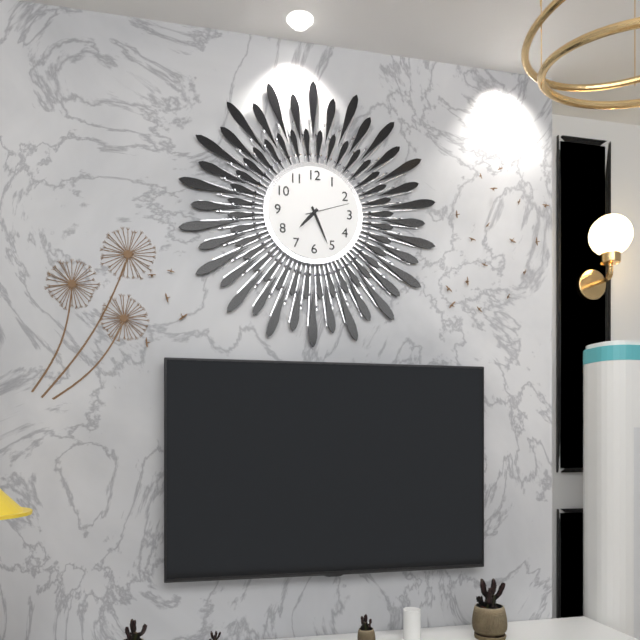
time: 7:26
